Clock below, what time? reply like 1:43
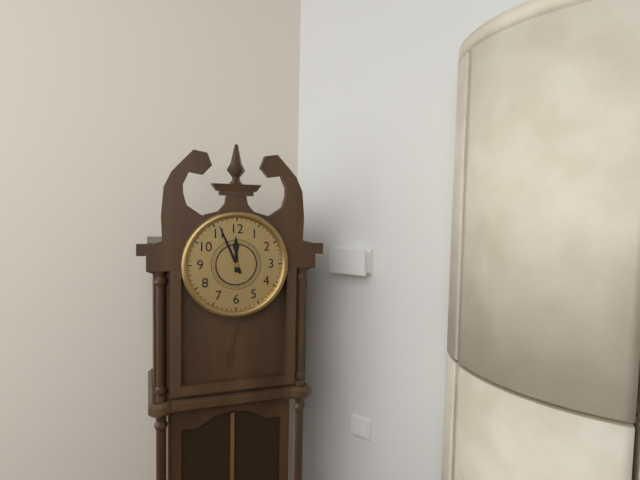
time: 11:56
